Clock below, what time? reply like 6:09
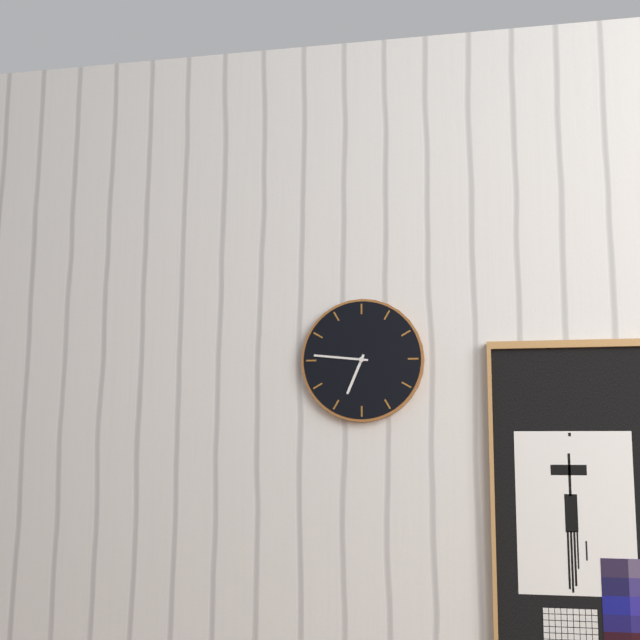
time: 6:46
